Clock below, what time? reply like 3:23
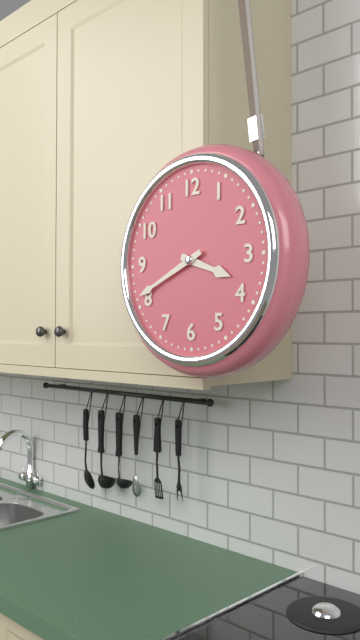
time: 3:41
